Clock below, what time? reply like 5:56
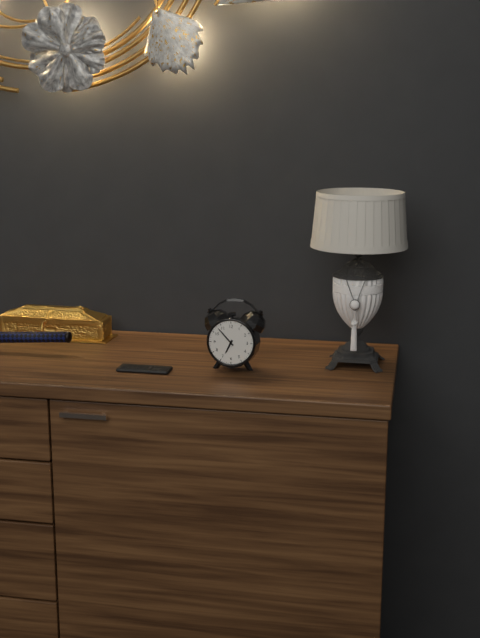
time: 6:53
